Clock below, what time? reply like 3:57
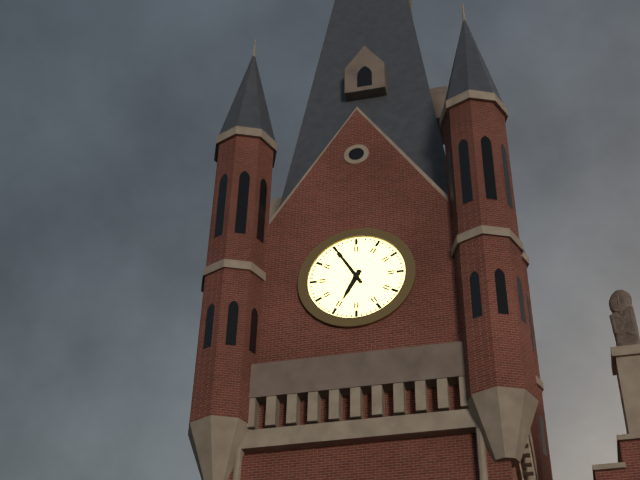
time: 6:55
